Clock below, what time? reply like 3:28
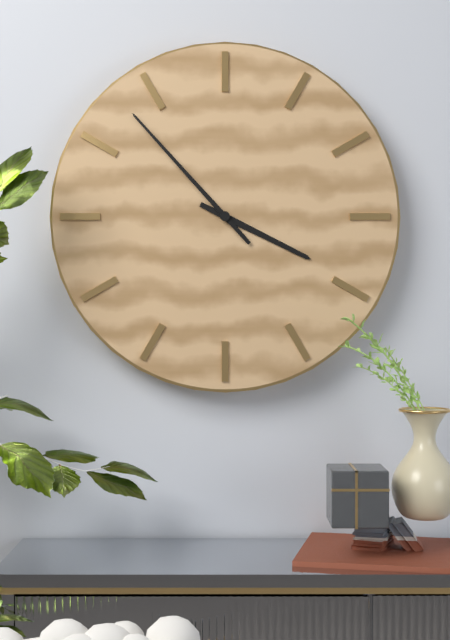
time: 3:53
